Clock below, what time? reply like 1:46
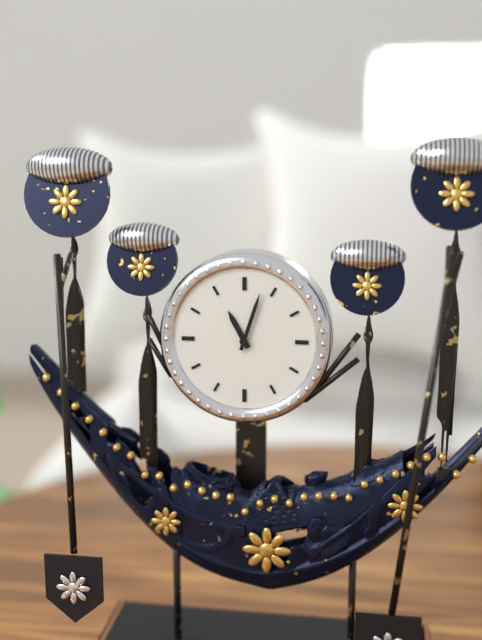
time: 11:03
